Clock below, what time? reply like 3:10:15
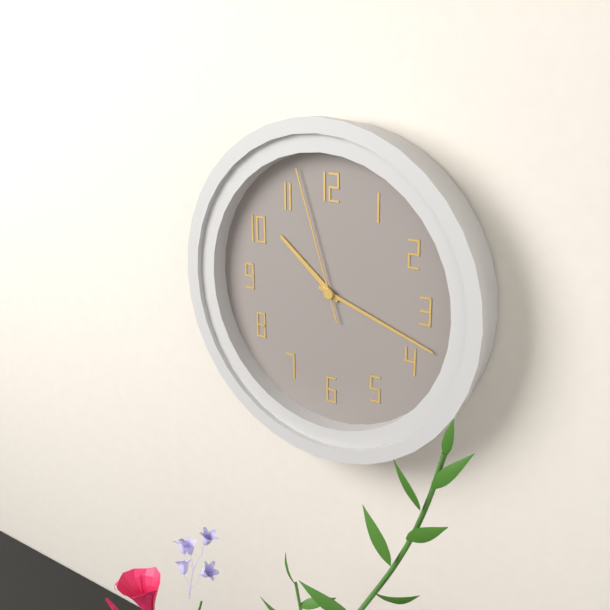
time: 10:18:57
